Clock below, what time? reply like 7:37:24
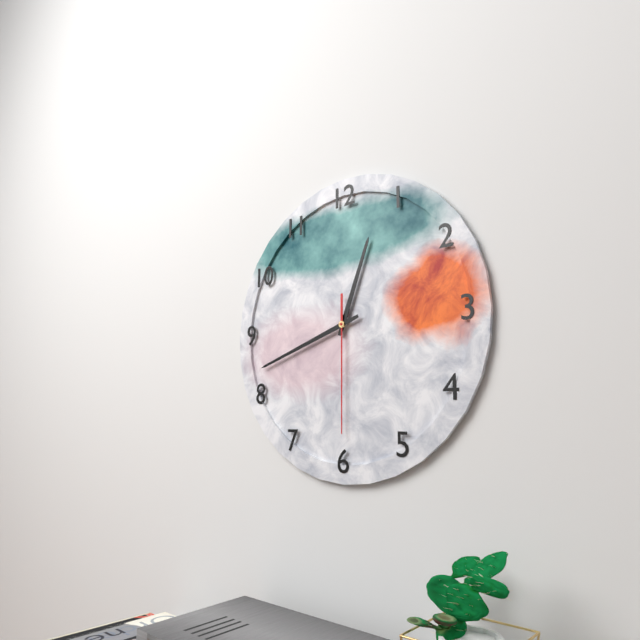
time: 12:42:30
